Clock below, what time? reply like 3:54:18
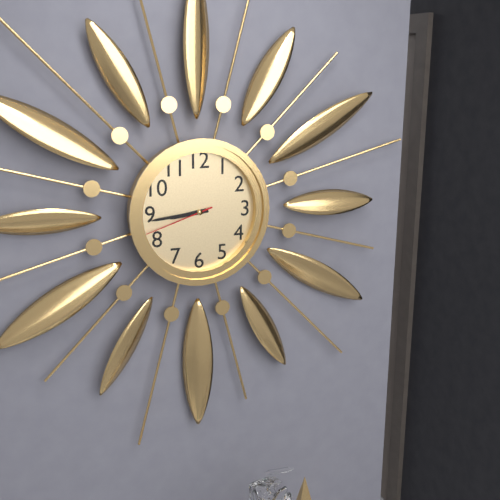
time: 8:44:42
